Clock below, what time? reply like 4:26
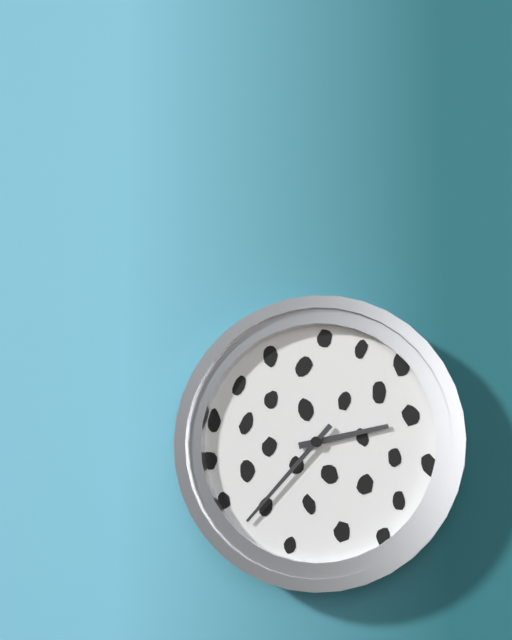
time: 2:37
